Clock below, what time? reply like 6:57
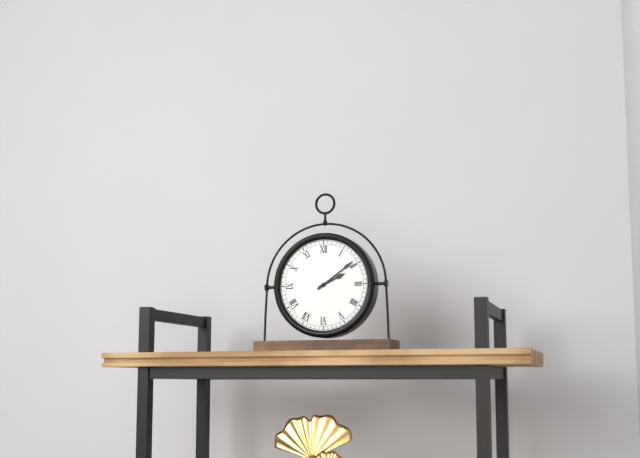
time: 2:09
